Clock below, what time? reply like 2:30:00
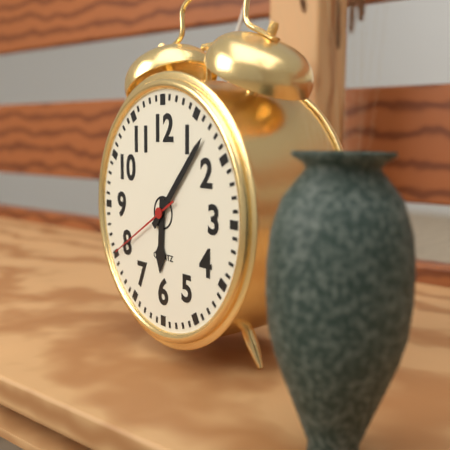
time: 6:07:40
